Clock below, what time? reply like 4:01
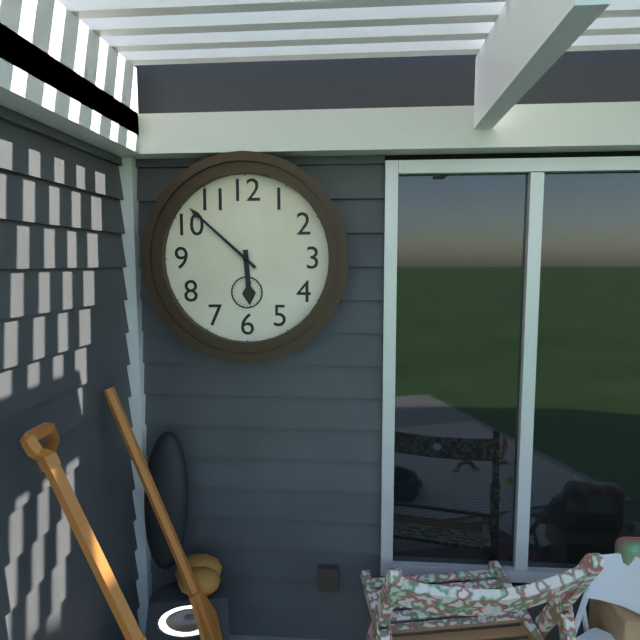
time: 5:52
